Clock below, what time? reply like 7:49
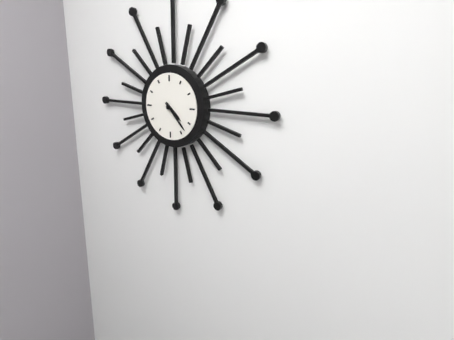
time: 4:23
